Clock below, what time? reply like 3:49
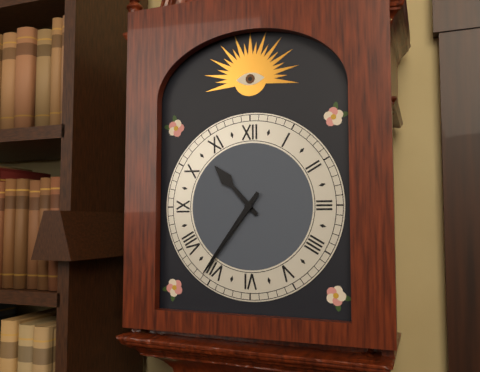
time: 10:36
